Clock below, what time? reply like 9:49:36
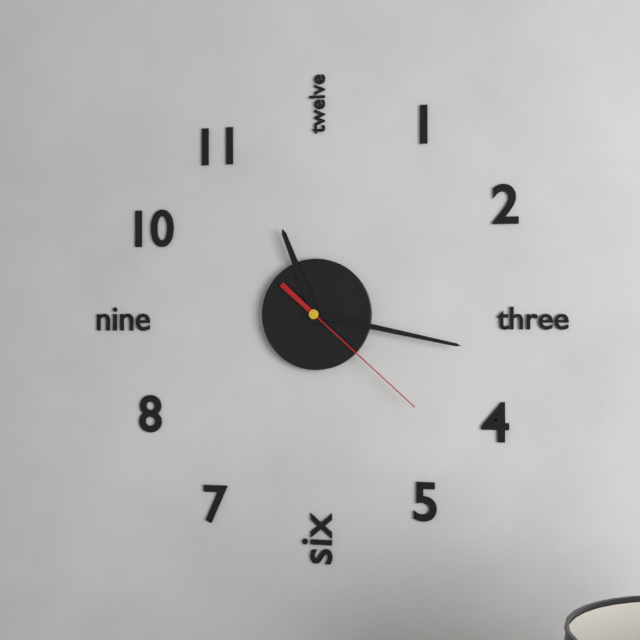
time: 11:17:22
